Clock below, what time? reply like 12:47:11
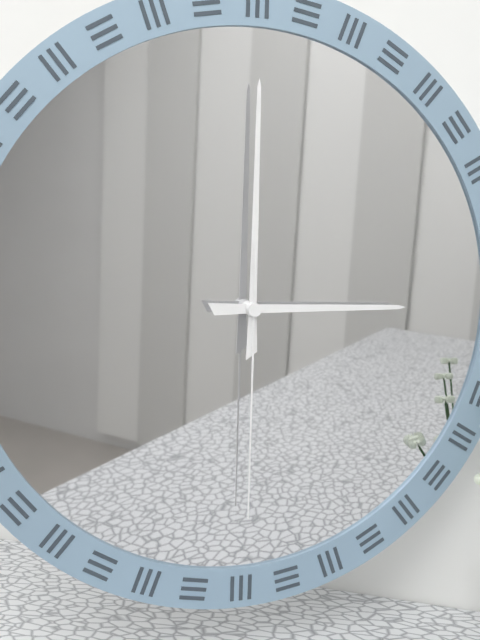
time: 3:00:30
